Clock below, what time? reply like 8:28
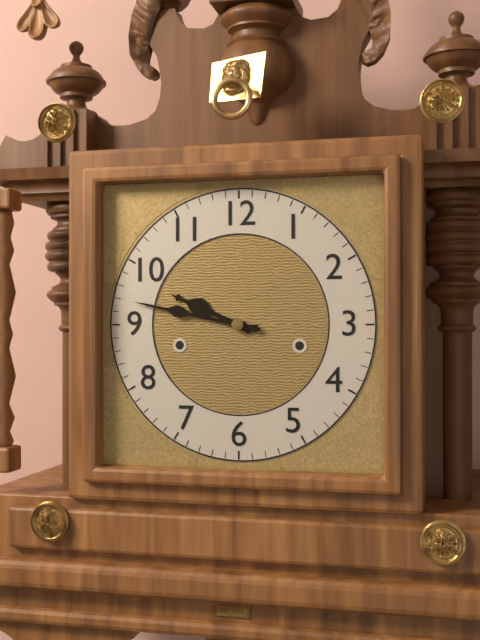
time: 9:47
